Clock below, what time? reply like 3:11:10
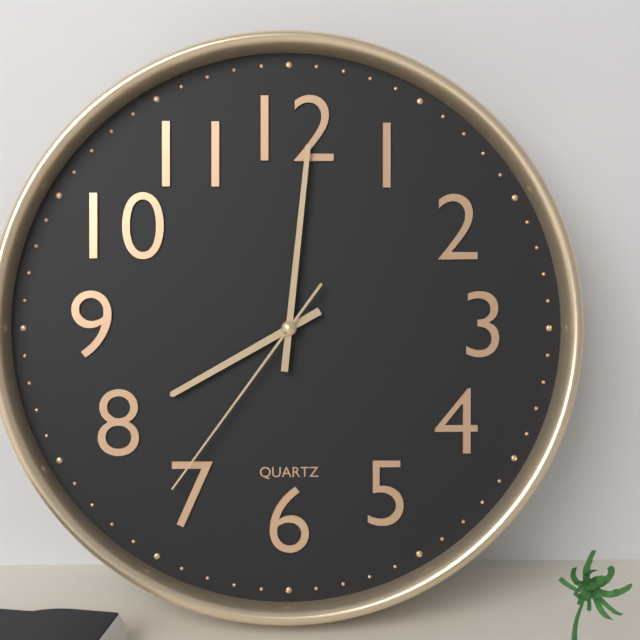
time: 8:01:36
